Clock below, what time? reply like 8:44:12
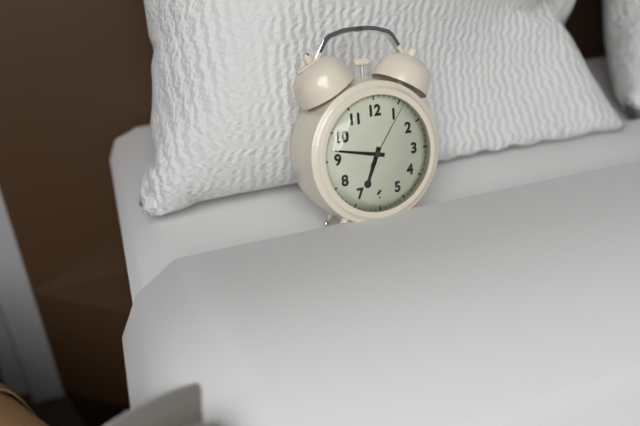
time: 6:47:06
